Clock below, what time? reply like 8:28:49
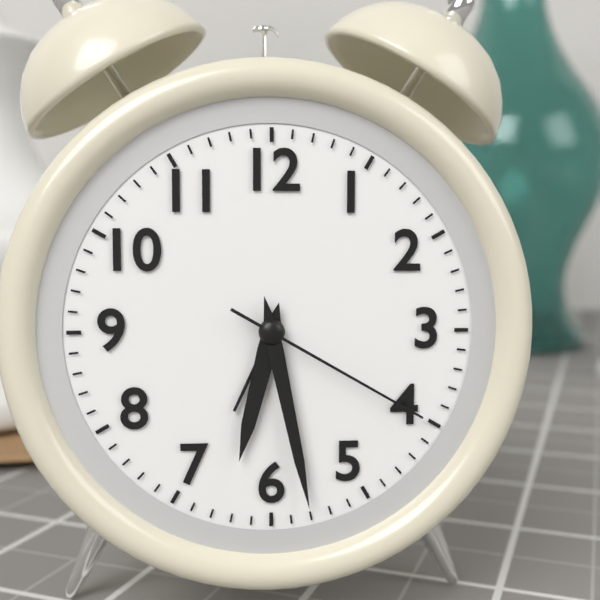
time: 6:28:20
